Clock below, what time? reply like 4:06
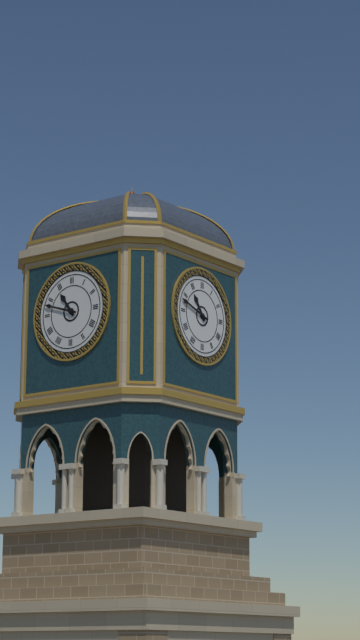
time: 10:48
